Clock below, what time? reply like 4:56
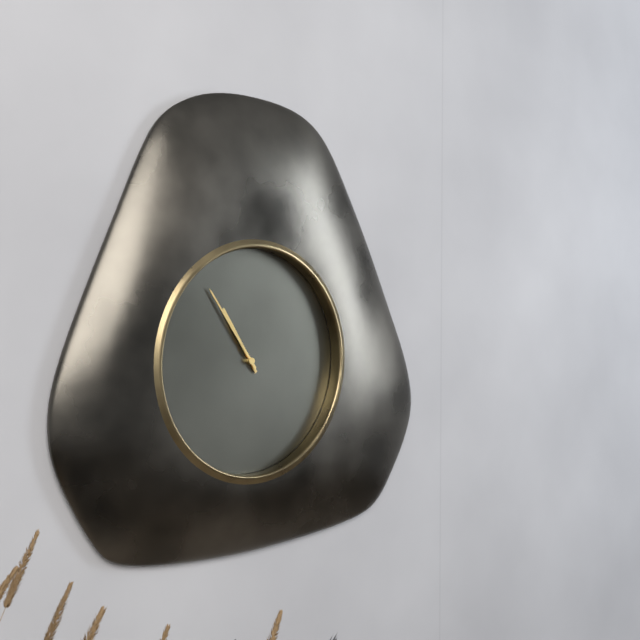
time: 10:54
